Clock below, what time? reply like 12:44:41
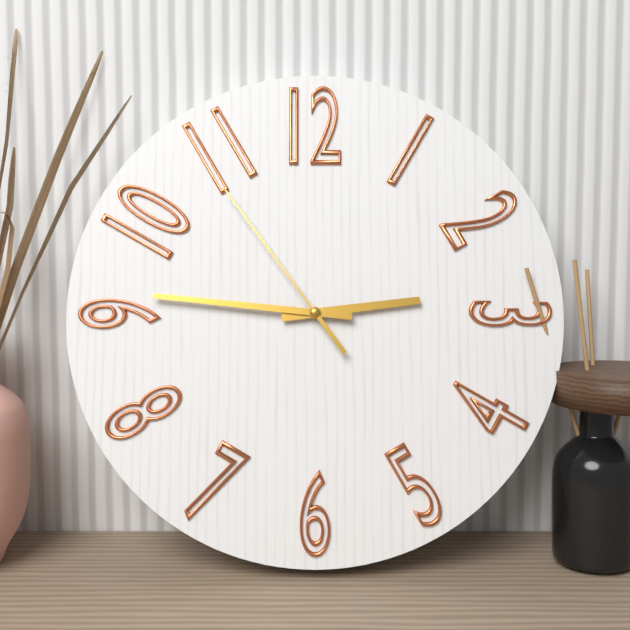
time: 2:46:54
